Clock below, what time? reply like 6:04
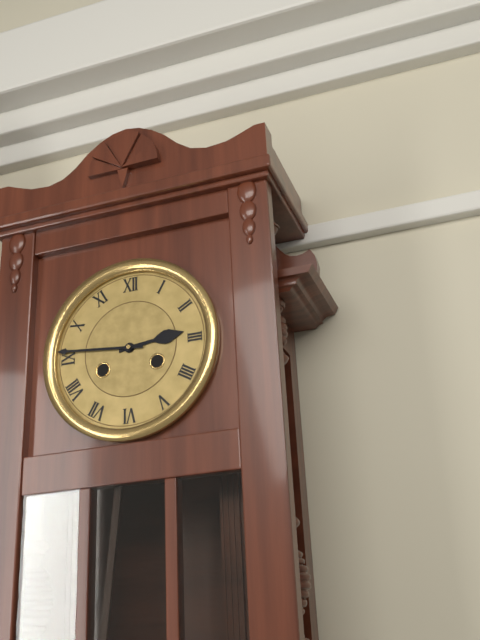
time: 2:46
